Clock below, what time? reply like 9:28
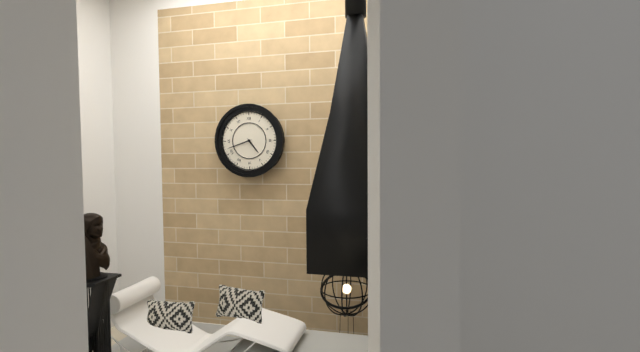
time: 4:42
